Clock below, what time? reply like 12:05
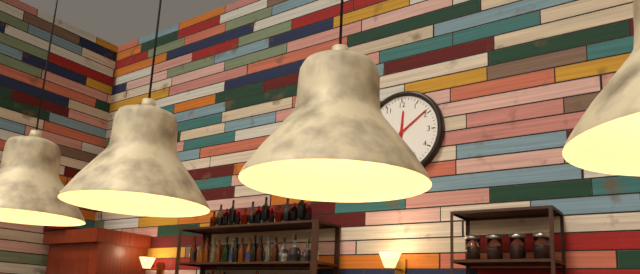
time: 12:09
